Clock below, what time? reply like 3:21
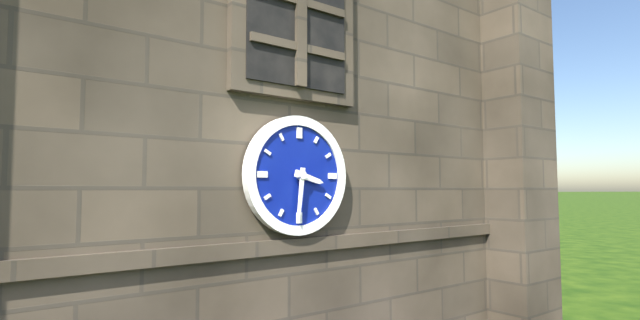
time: 3:31
